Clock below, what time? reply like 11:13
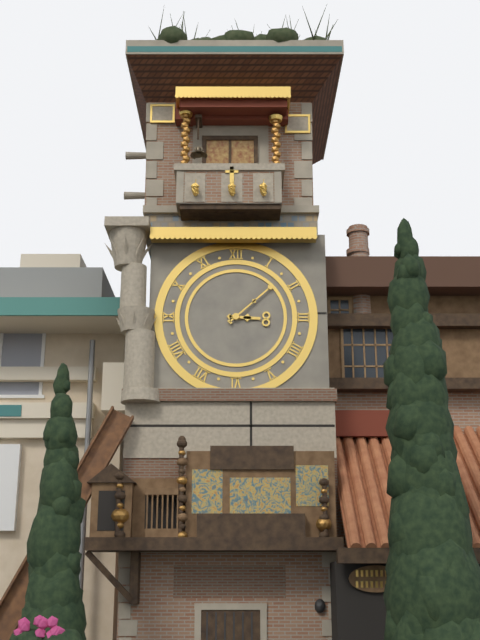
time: 3:08
